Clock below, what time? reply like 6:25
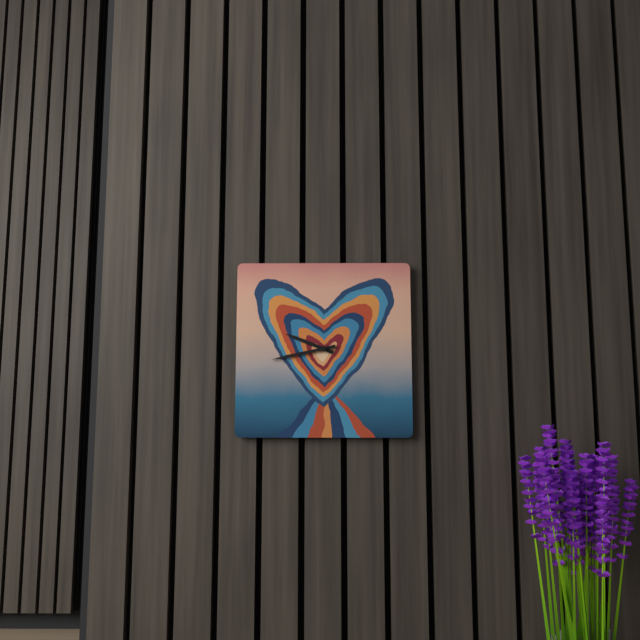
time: 9:43
